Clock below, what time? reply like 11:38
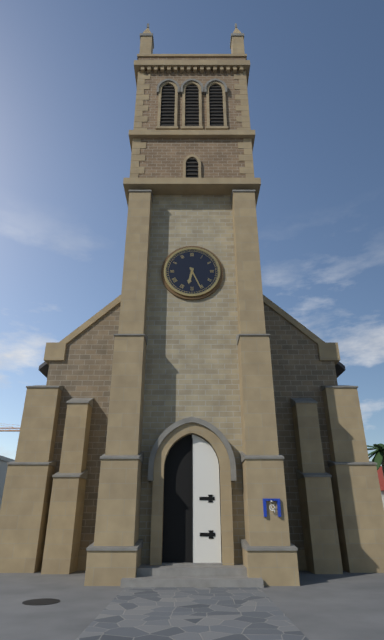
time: 6:26
